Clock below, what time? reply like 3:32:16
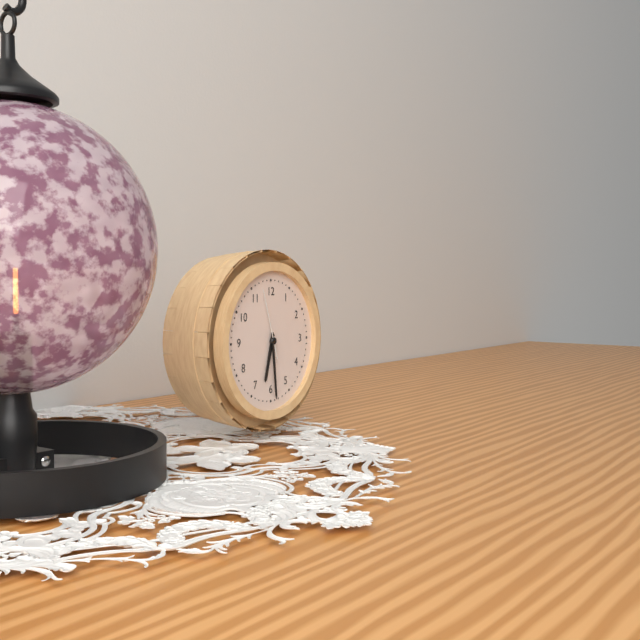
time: 6:29:57
